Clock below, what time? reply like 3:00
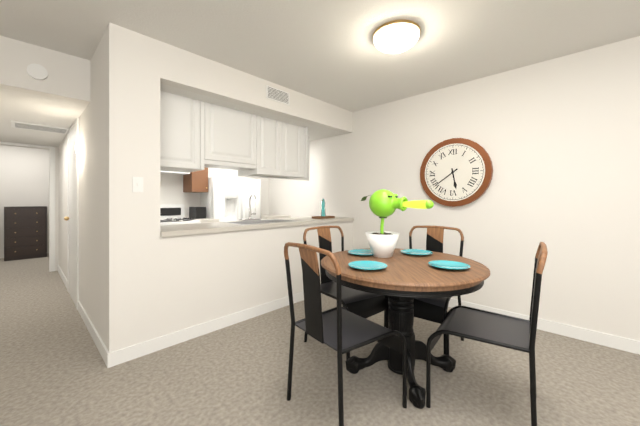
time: 5:39
